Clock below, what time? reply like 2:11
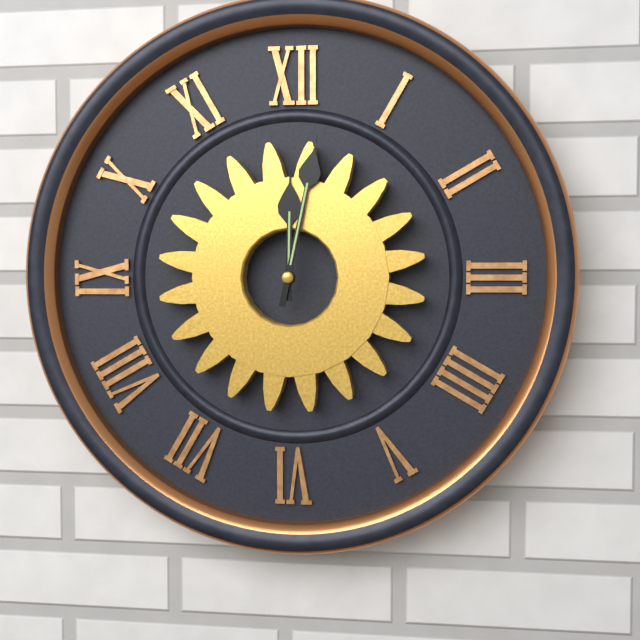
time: 12:02
